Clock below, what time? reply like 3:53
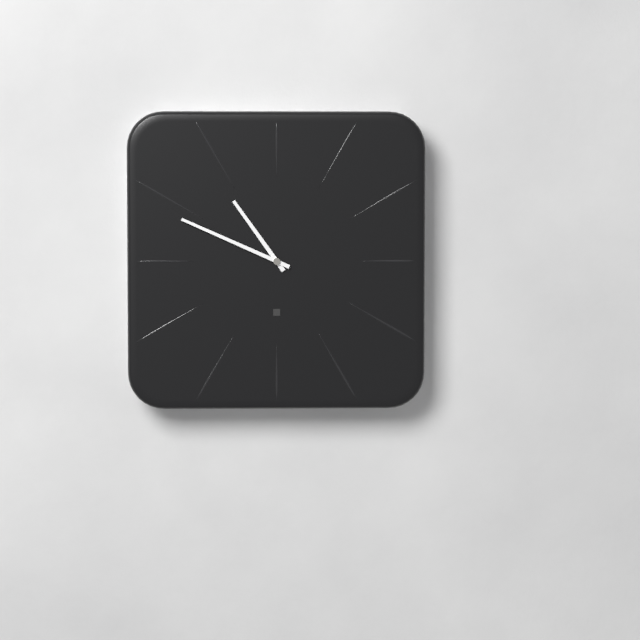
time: 10:49
